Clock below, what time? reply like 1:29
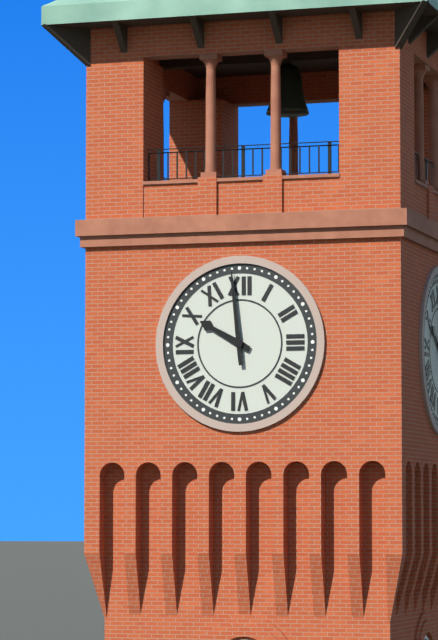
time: 9:59
